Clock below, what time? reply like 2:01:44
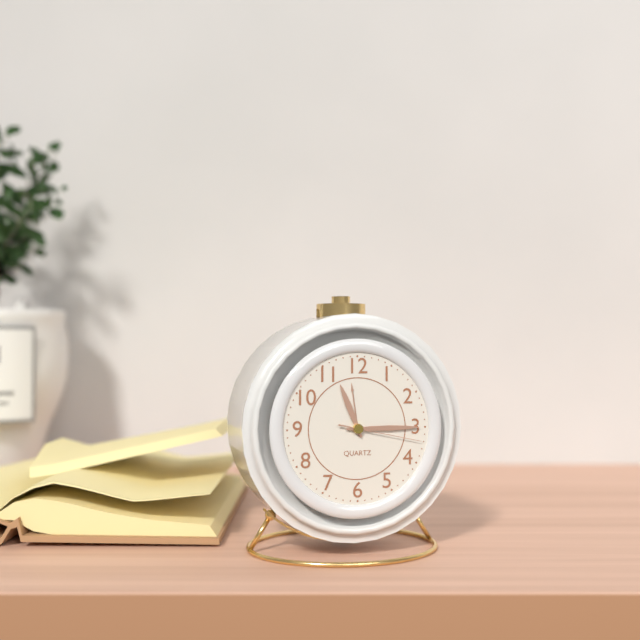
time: 11:15:17
